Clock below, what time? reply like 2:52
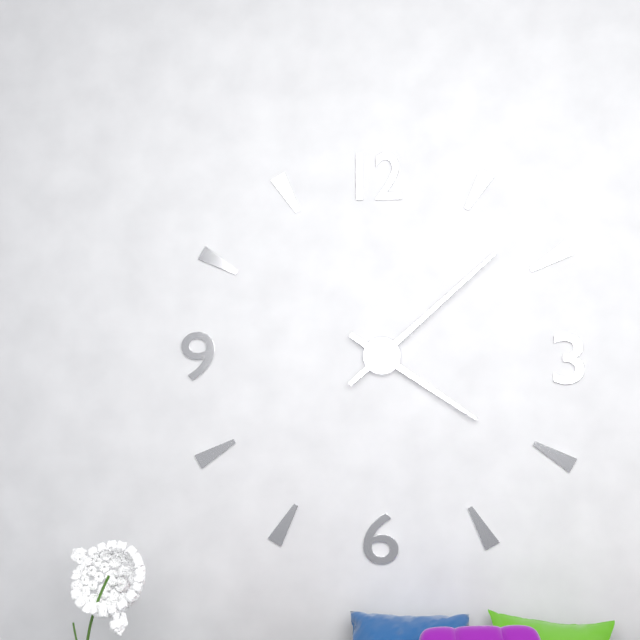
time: 4:08
